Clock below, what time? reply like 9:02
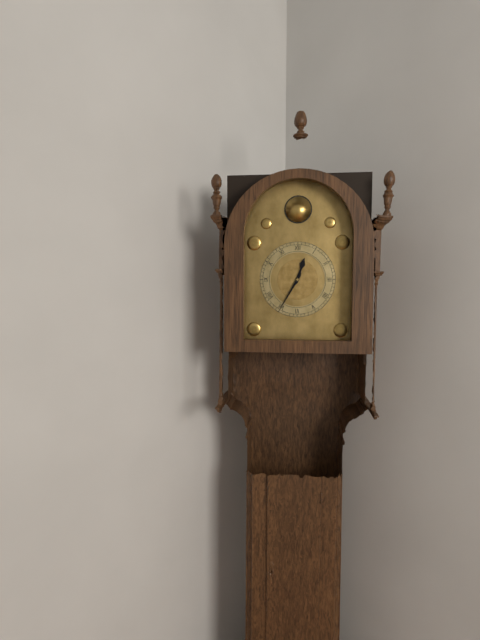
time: 12:35
